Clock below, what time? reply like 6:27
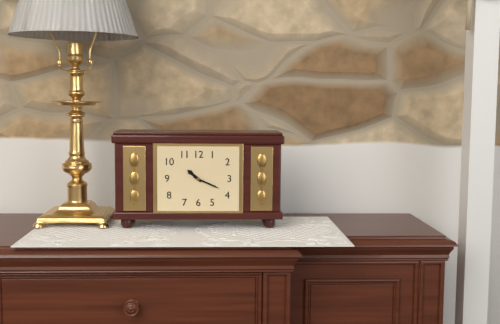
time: 10:19
